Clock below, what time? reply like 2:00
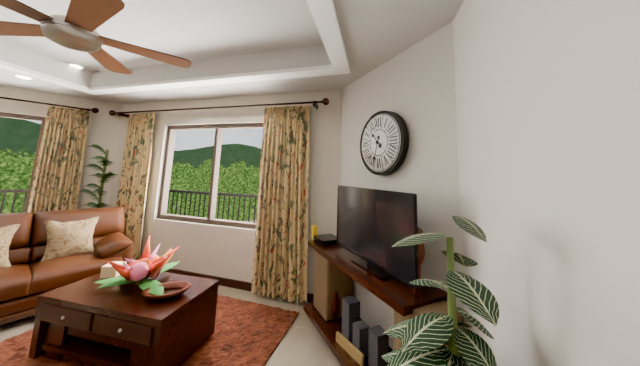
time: 10:33
